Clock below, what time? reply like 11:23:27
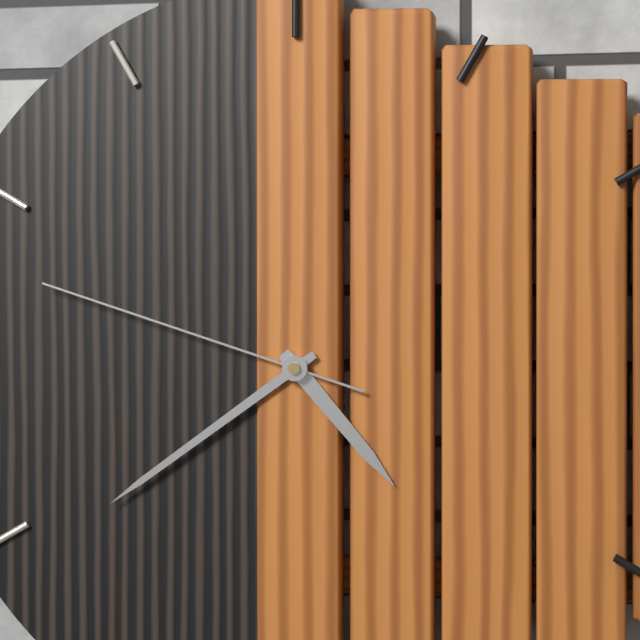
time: 4:39:48
